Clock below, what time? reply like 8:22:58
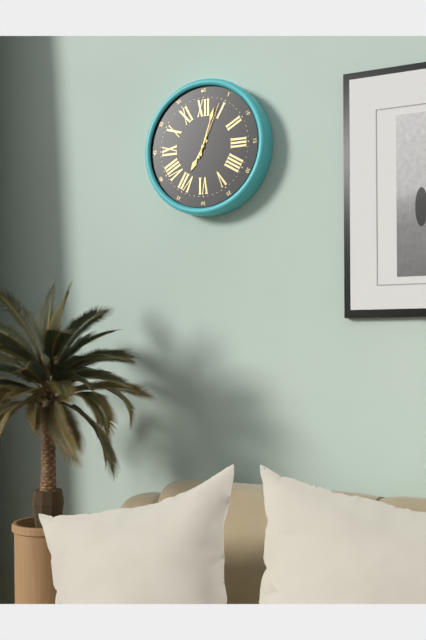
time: 7:03:04
